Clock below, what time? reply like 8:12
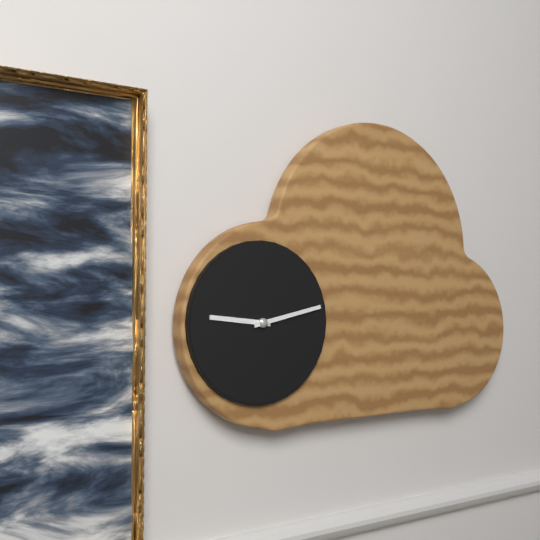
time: 9:13
